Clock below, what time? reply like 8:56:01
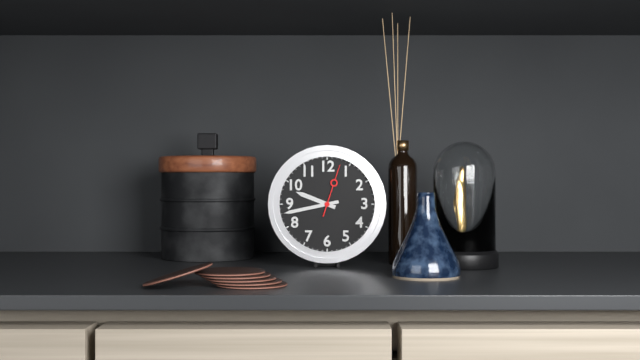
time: 9:43:03
